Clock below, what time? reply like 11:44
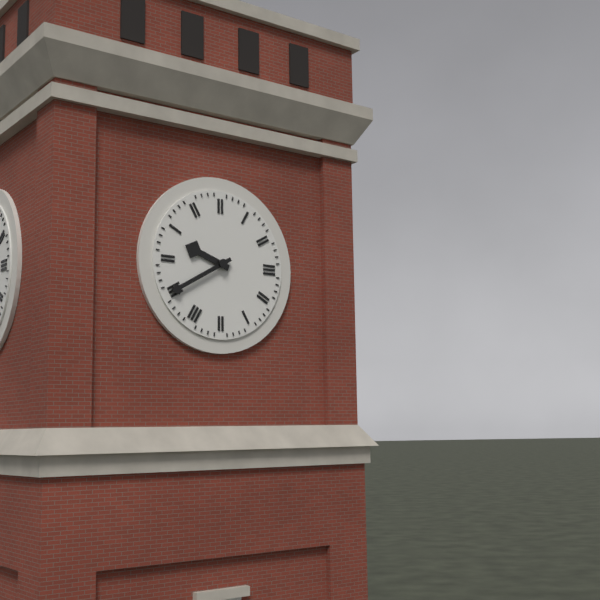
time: 9:40
